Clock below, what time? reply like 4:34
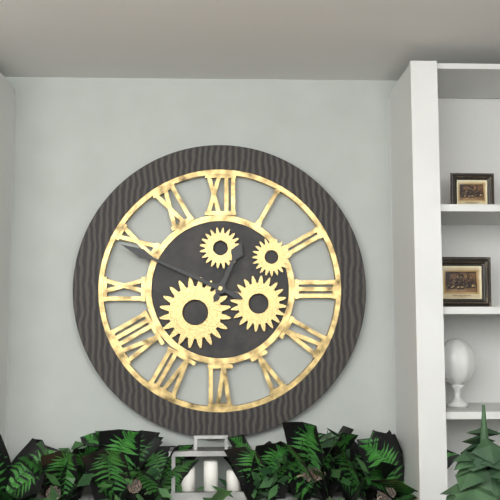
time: 12:49
